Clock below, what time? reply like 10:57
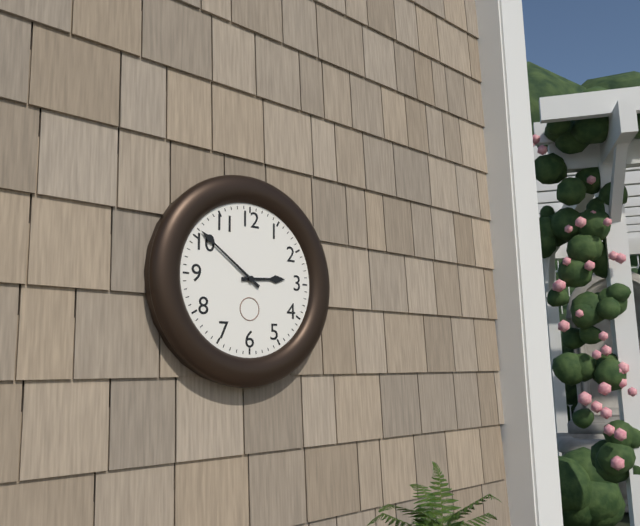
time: 2:51
